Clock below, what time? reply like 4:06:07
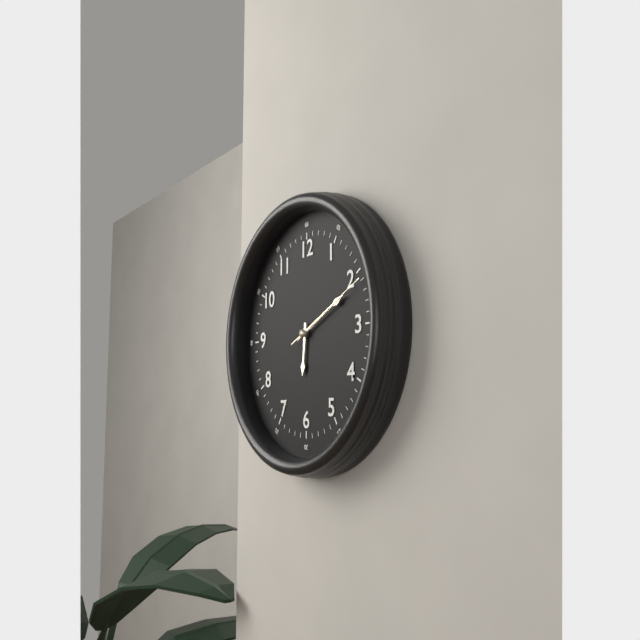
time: 6:11:11
